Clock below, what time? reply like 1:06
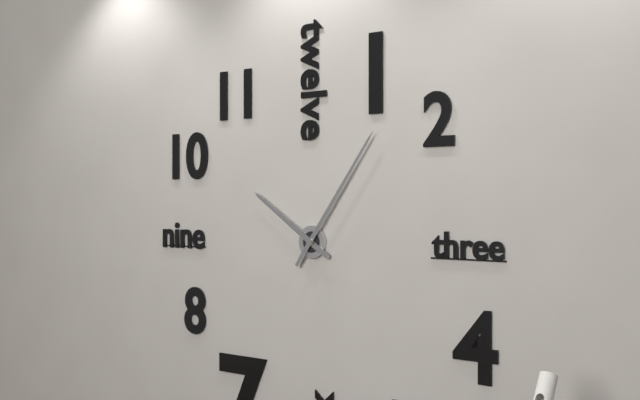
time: 10:06
